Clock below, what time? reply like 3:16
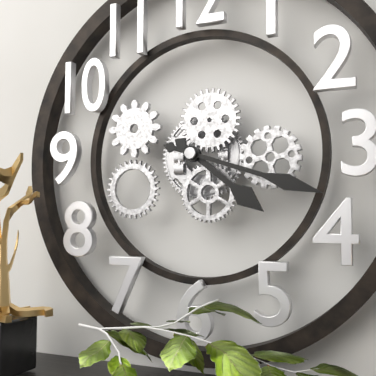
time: 4:18
